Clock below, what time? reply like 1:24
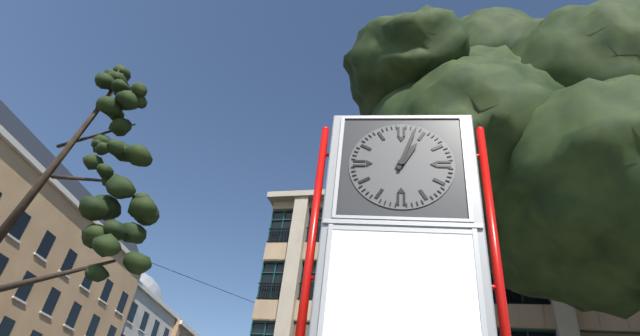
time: 1:03
